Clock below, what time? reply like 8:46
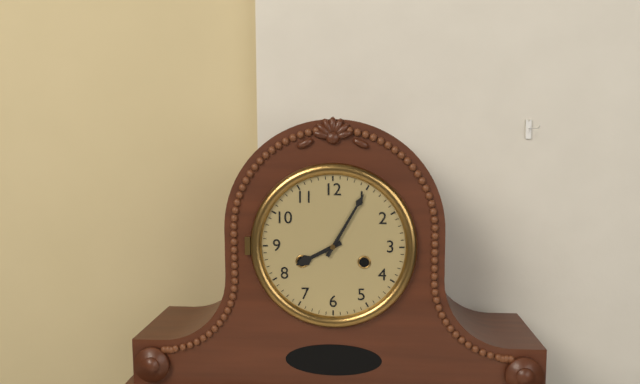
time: 8:05
